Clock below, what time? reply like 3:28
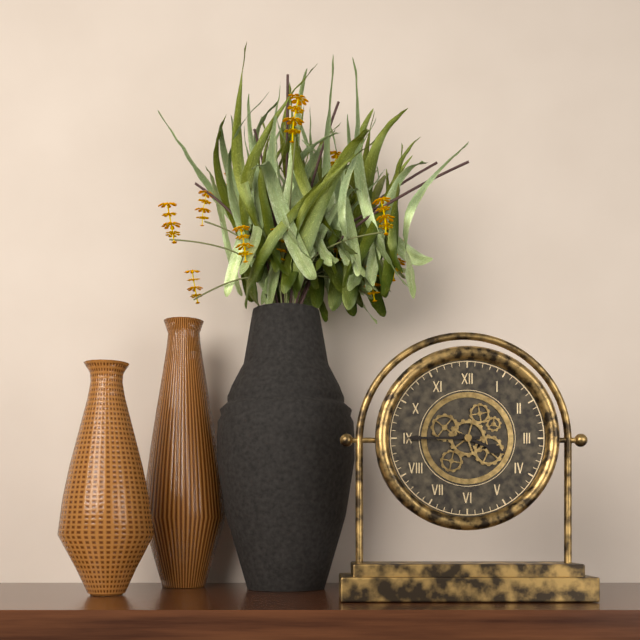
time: 3:45
